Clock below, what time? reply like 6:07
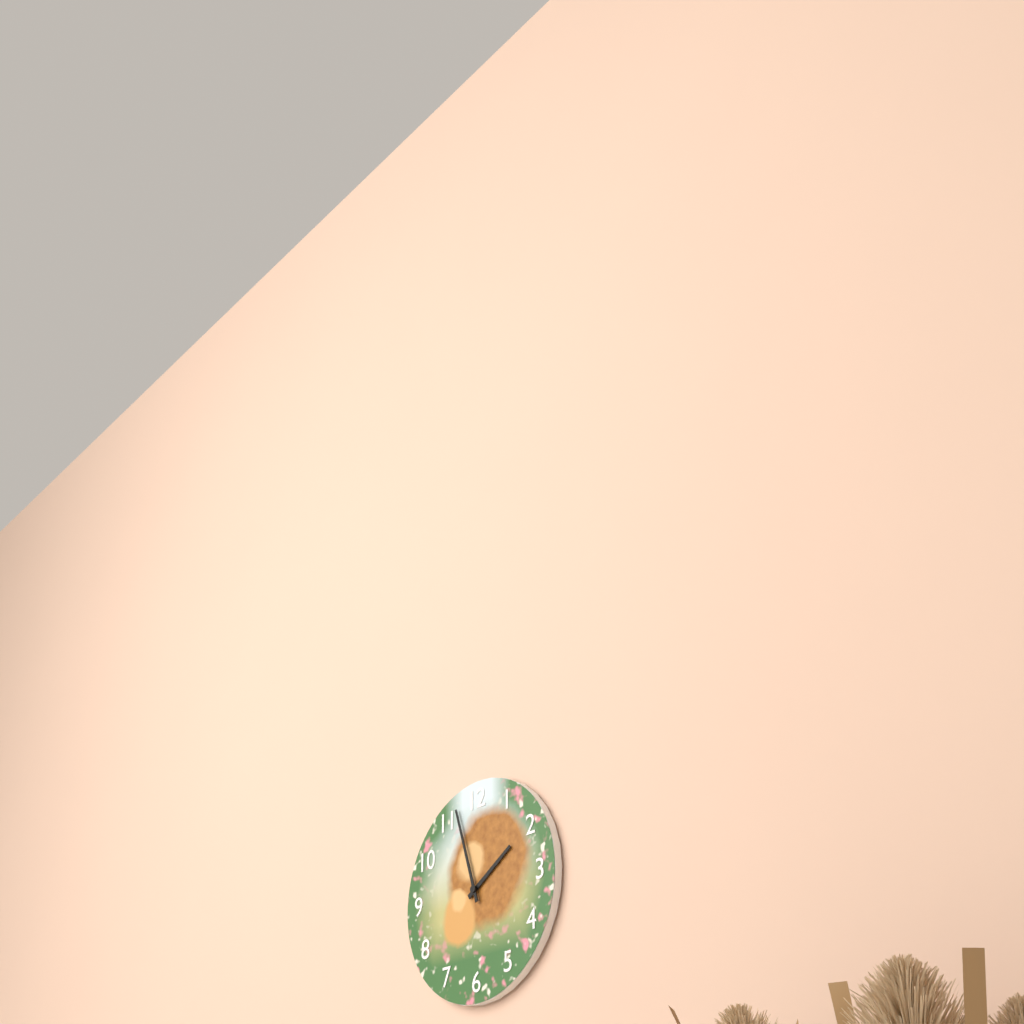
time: 1:57
